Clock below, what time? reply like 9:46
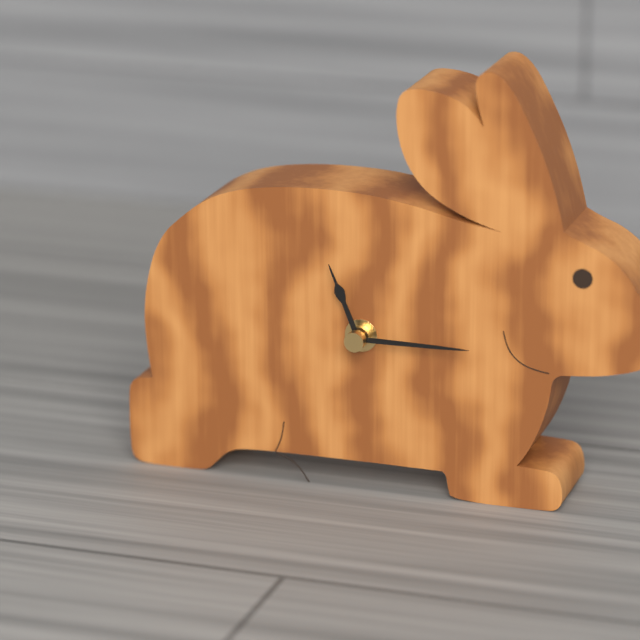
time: 11:15
